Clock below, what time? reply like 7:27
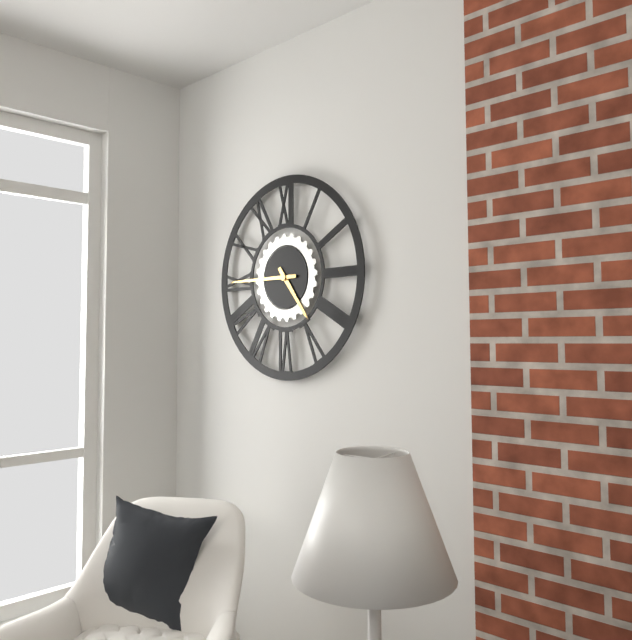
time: 4:45
